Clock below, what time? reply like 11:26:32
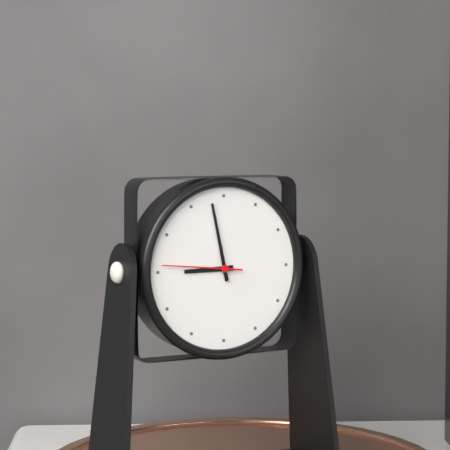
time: 8:58:46
